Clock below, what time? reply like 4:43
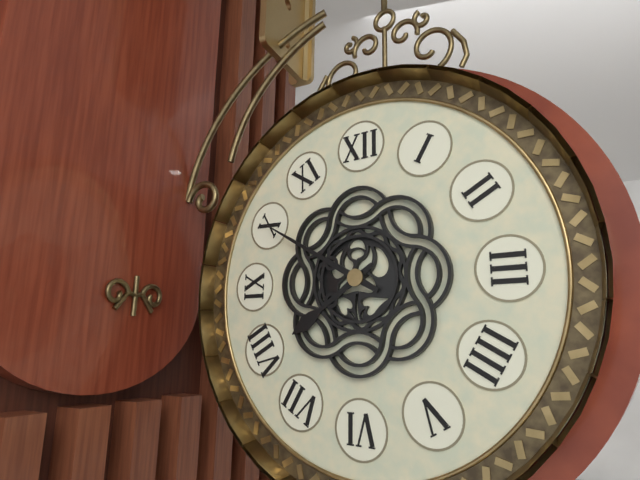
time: 7:50
